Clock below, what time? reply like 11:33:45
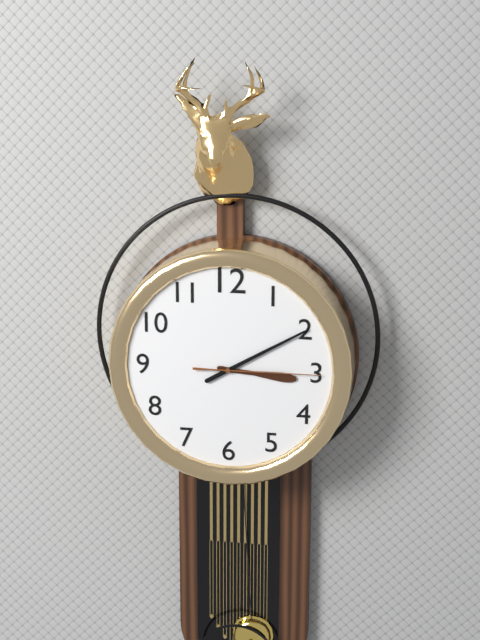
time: 3:10:15
